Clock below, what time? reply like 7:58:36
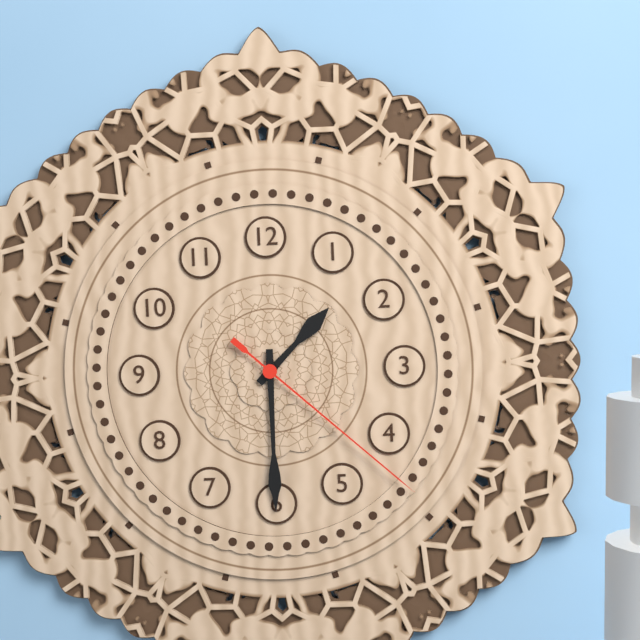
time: 1:30:22
